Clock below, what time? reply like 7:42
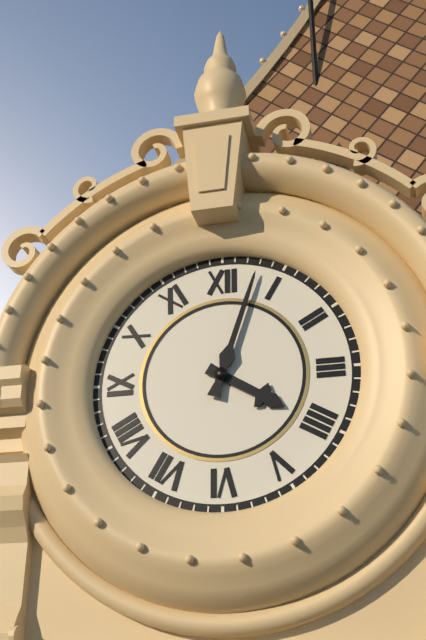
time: 4:03
